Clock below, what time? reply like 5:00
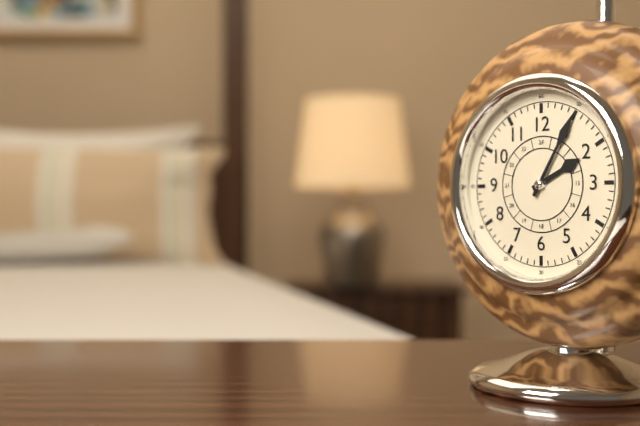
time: 2:05
